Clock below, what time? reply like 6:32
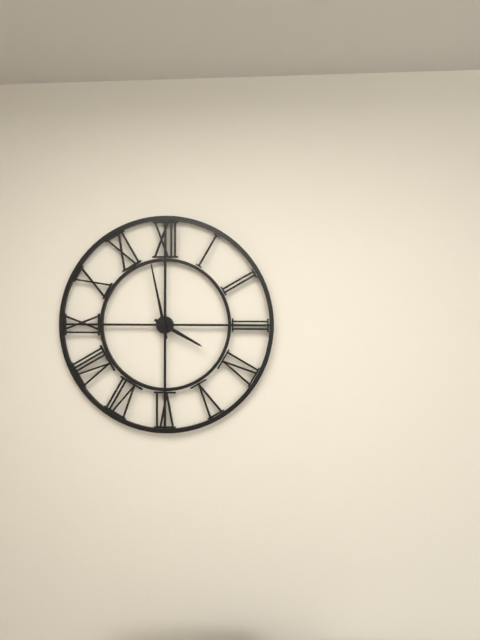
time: 3:58
